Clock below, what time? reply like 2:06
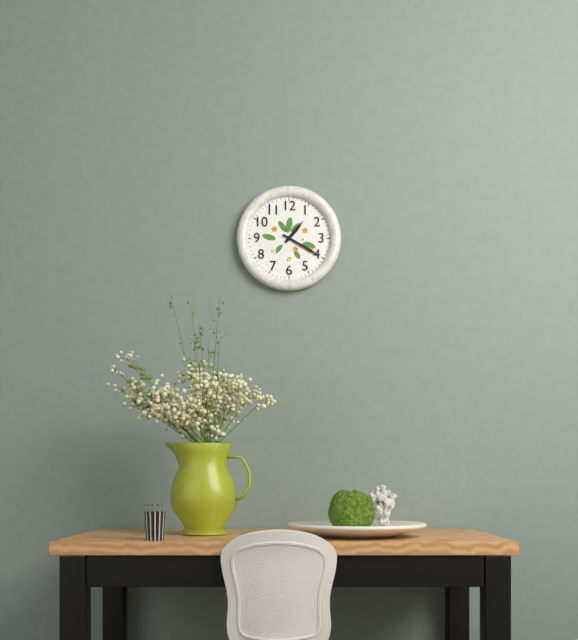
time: 1:20
